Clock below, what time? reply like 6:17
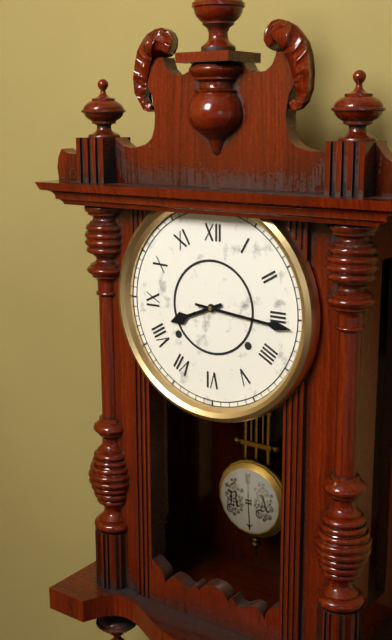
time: 8:16
